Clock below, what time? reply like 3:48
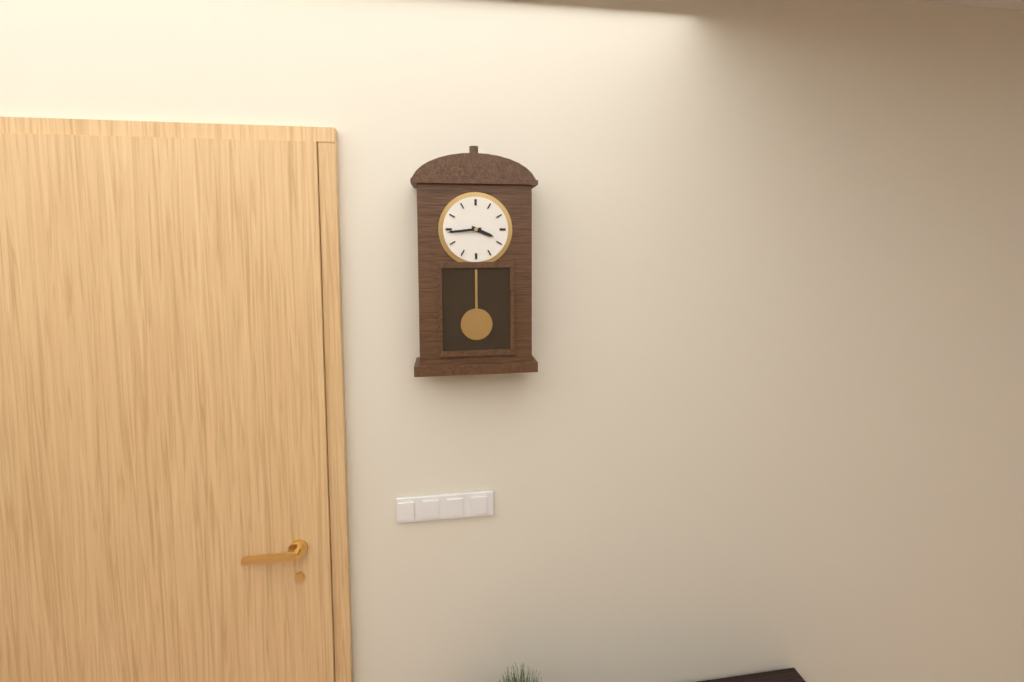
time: 3:44
